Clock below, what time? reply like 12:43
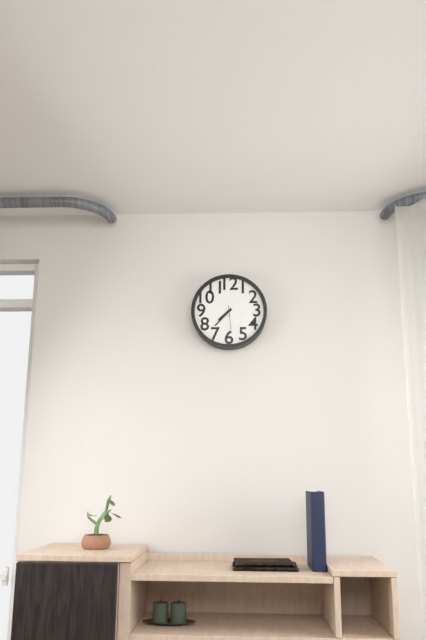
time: 7:37
